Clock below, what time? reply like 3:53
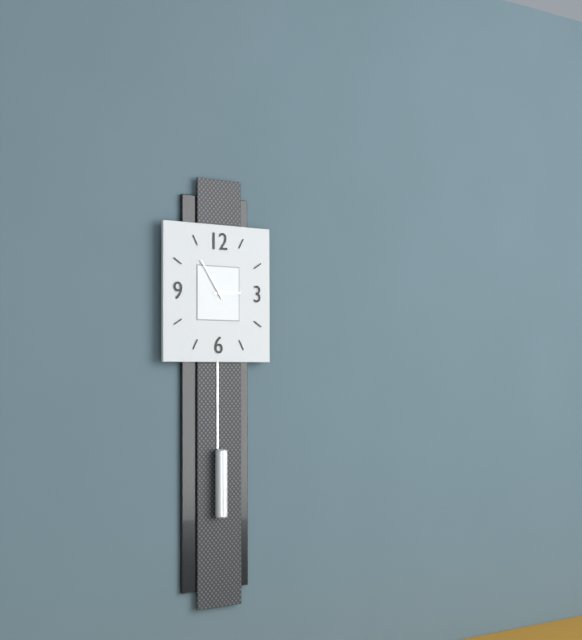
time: 2:54
